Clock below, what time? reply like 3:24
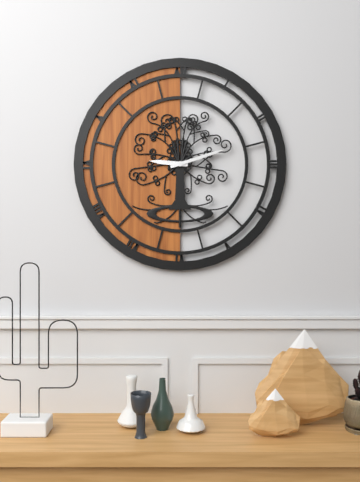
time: 9:12
